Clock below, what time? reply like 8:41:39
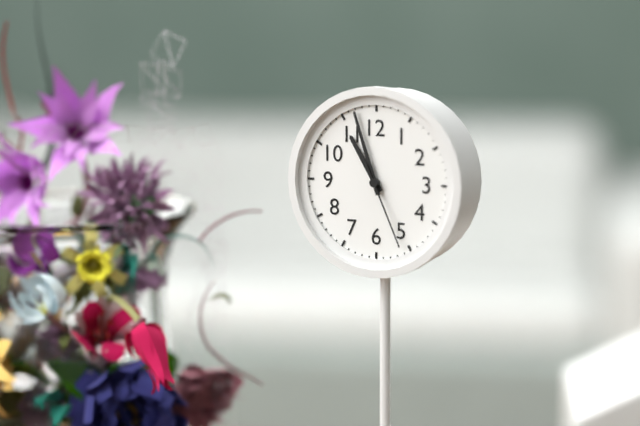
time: 10:57:26
